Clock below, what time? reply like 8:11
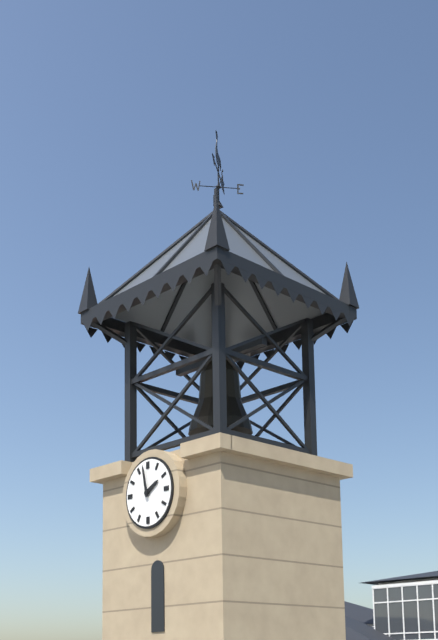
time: 1:58
